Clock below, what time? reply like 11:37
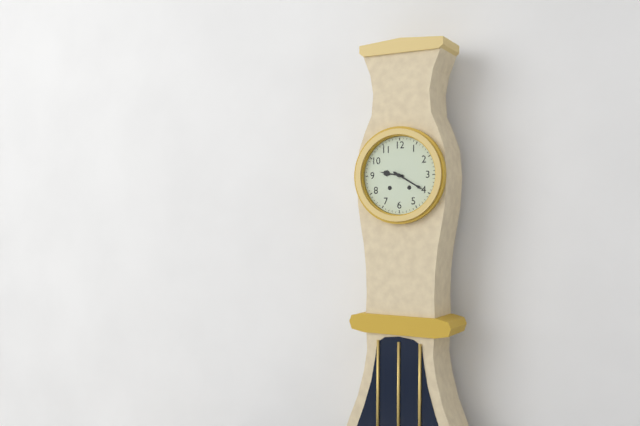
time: 9:20
